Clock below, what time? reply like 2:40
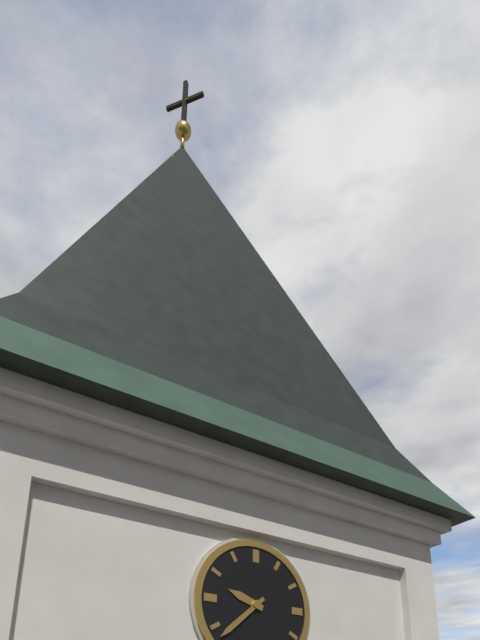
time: 9:38
